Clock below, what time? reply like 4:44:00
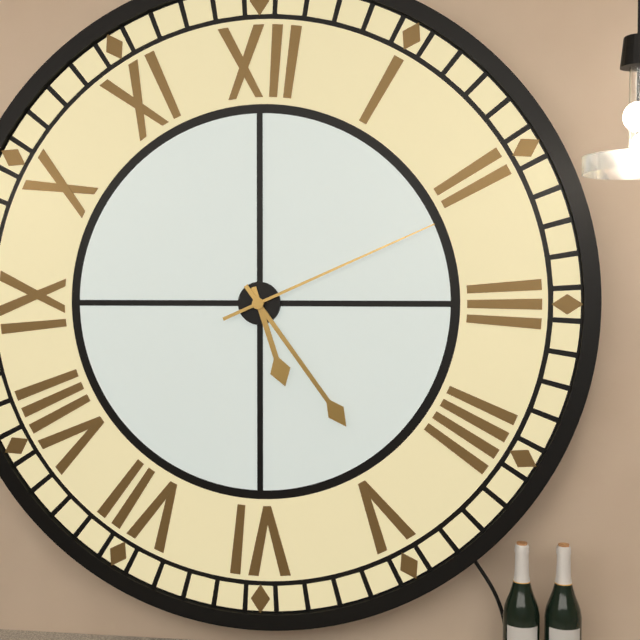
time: 5:24:11
